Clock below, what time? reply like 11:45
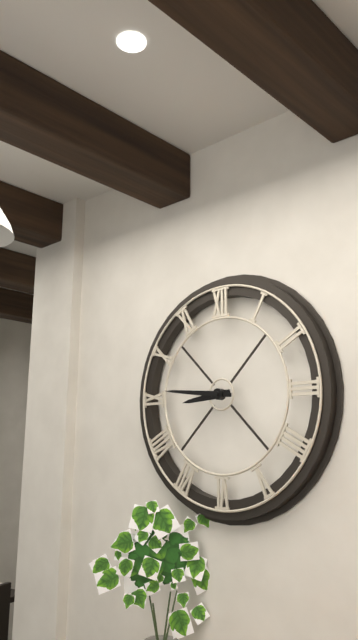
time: 8:46
